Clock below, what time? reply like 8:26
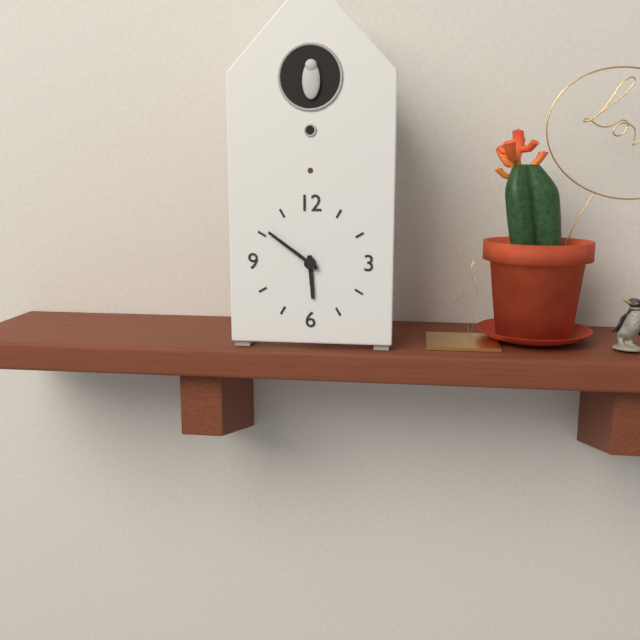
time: 5:51
